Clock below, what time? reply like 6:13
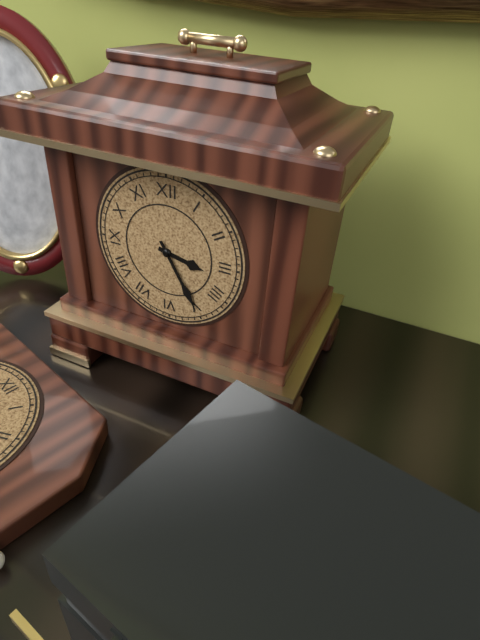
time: 3:25
